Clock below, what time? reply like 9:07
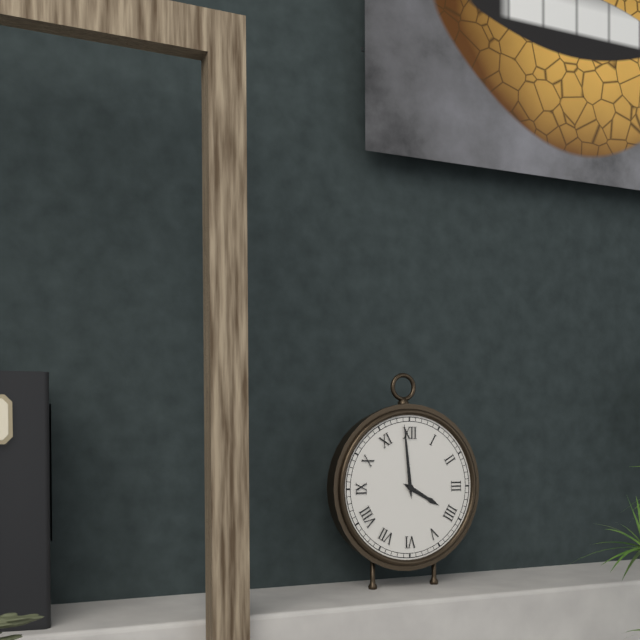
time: 3:59
